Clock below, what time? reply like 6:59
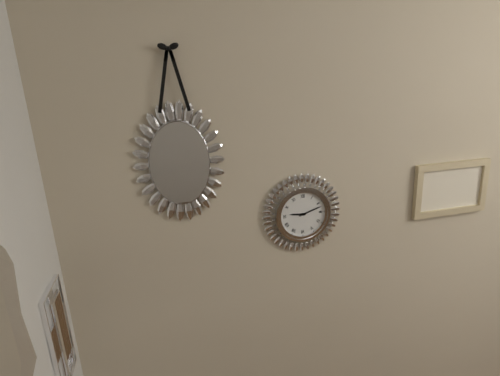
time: 9:12
